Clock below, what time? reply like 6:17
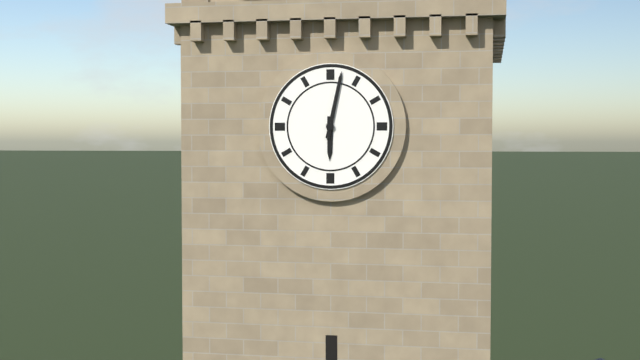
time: 6:02
